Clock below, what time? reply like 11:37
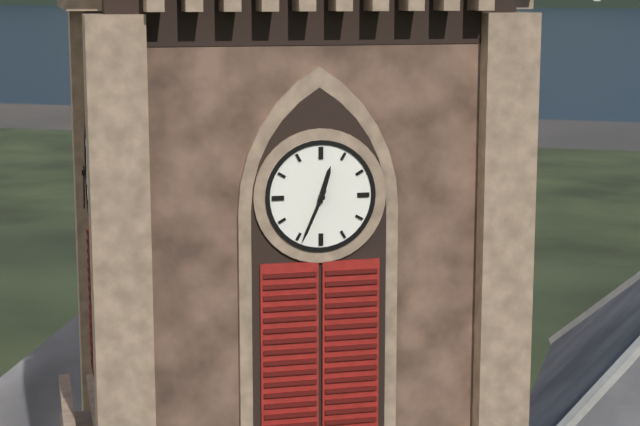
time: 12:34
